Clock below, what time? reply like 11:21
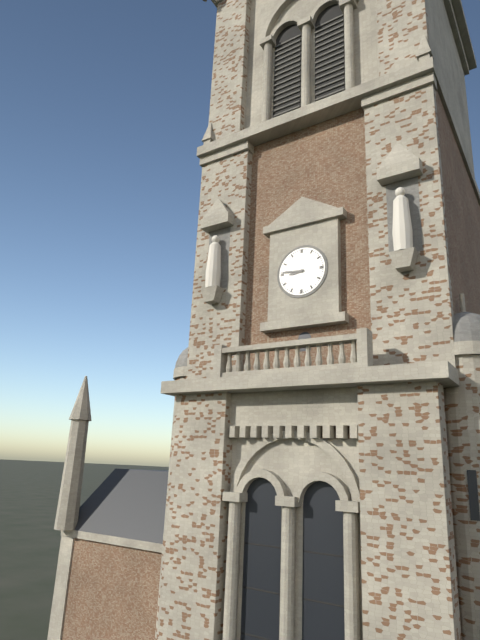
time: 8:46
